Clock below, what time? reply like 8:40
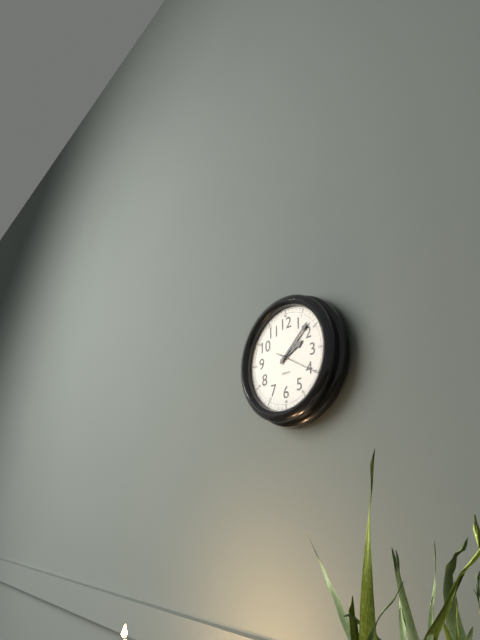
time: 2:08
